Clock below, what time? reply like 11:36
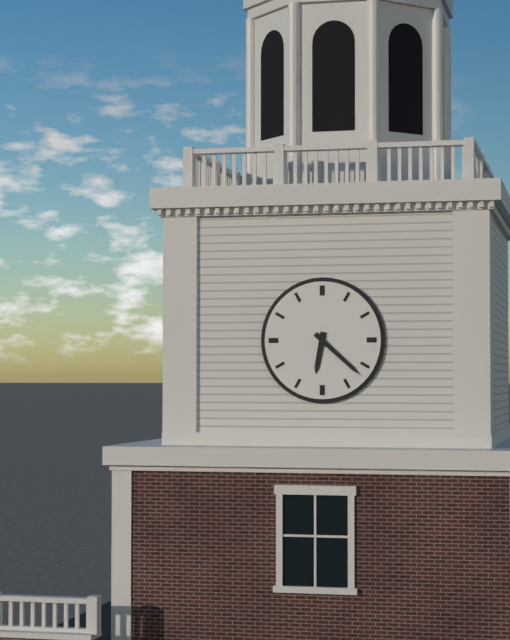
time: 6:22
